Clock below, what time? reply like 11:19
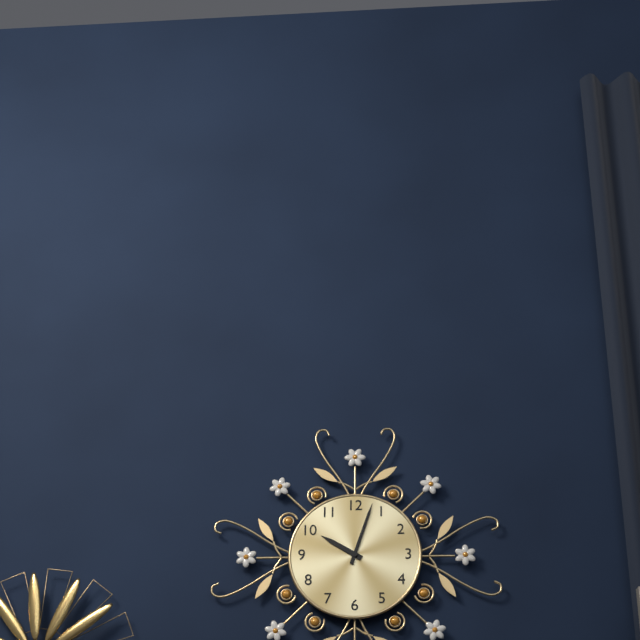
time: 10:03
